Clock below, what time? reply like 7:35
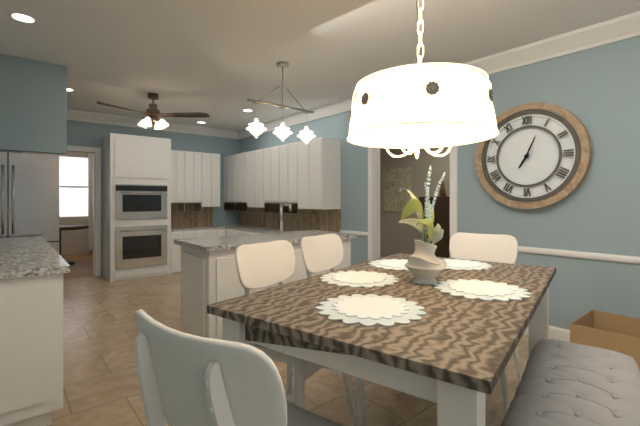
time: 7:04
